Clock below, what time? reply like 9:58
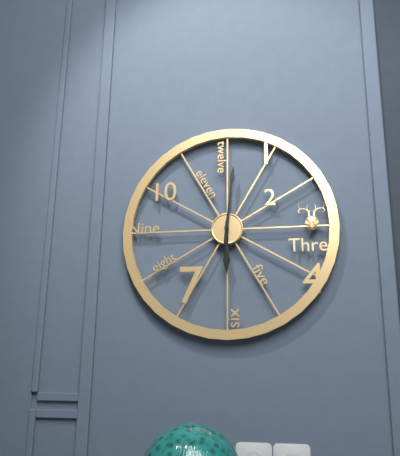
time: 6:01
